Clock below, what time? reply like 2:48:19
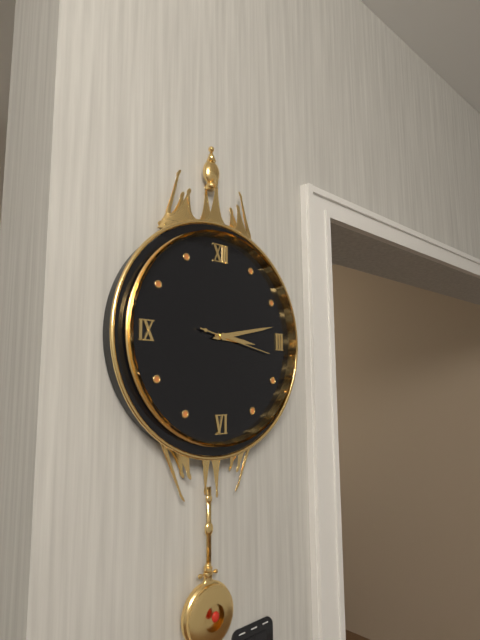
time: 3:13:17
